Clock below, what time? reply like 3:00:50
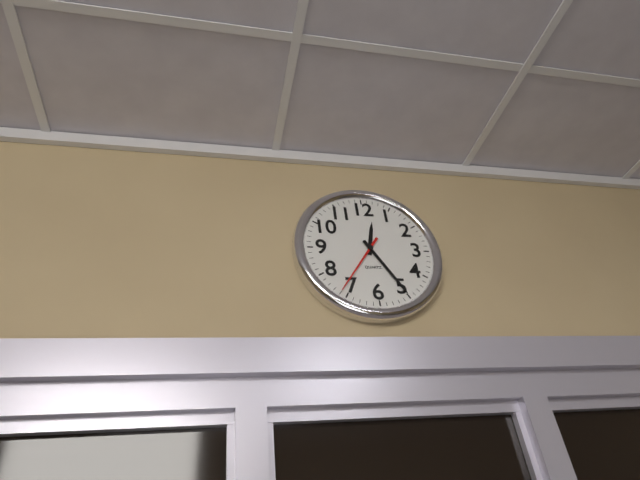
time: 12:25:36
